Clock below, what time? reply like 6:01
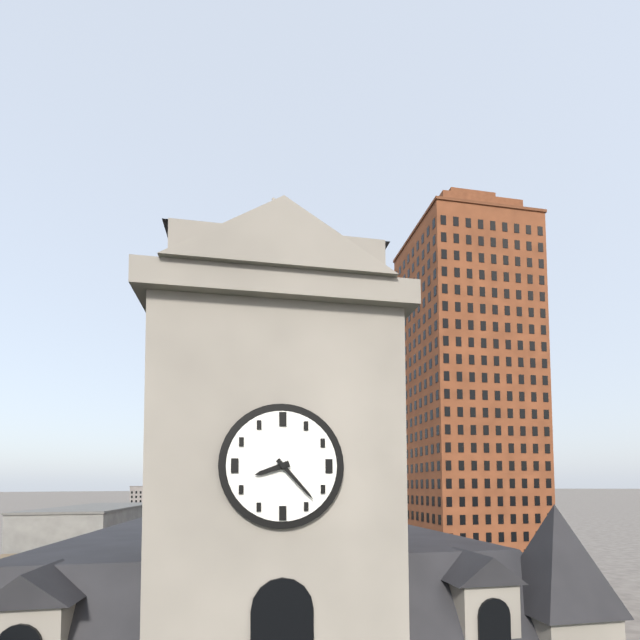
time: 8:23
